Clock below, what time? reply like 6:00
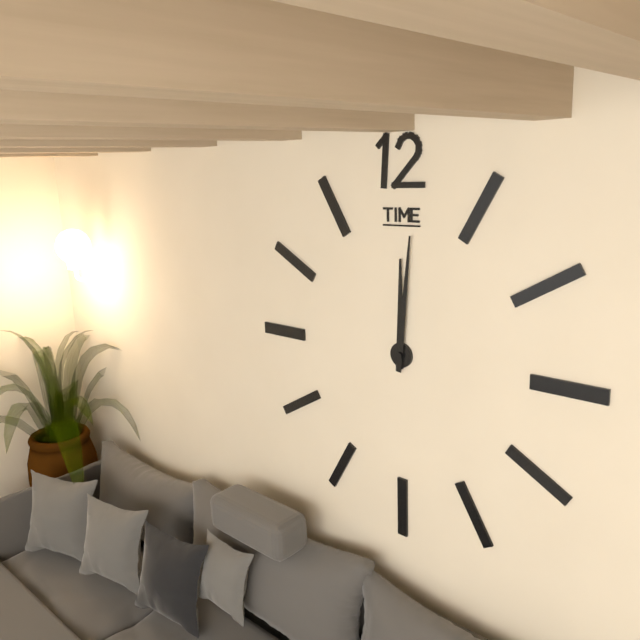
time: 12:01
